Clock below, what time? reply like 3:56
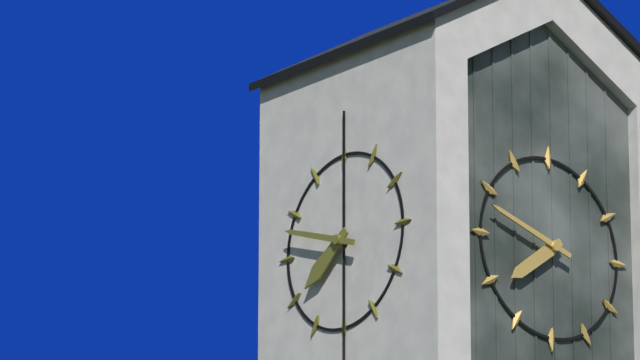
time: 7:48
